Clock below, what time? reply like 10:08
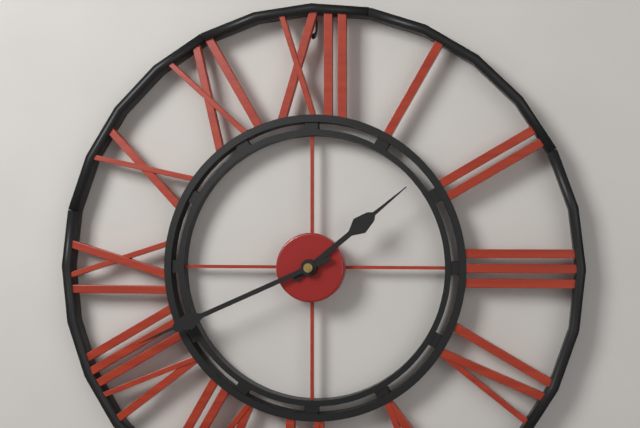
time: 1:41
